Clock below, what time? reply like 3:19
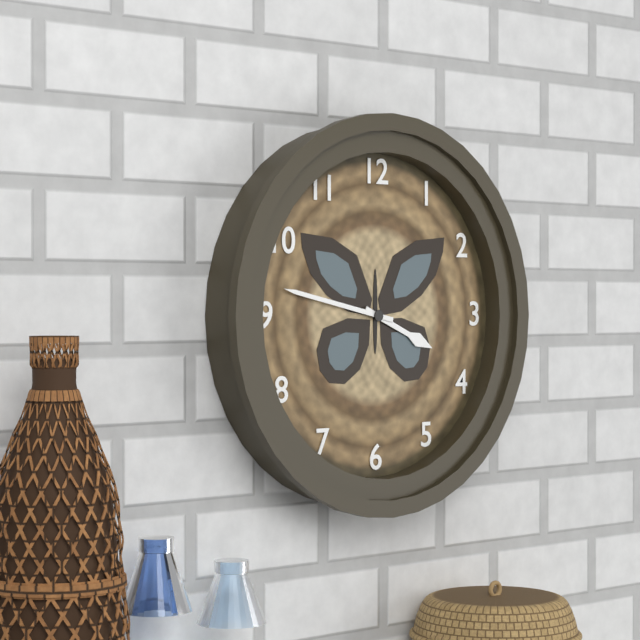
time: 3:47
